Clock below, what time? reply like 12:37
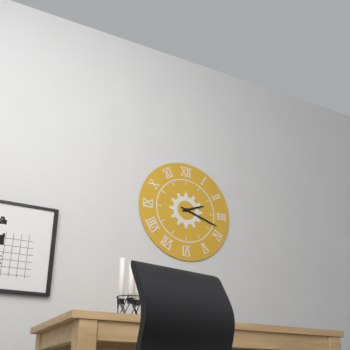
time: 2:18
